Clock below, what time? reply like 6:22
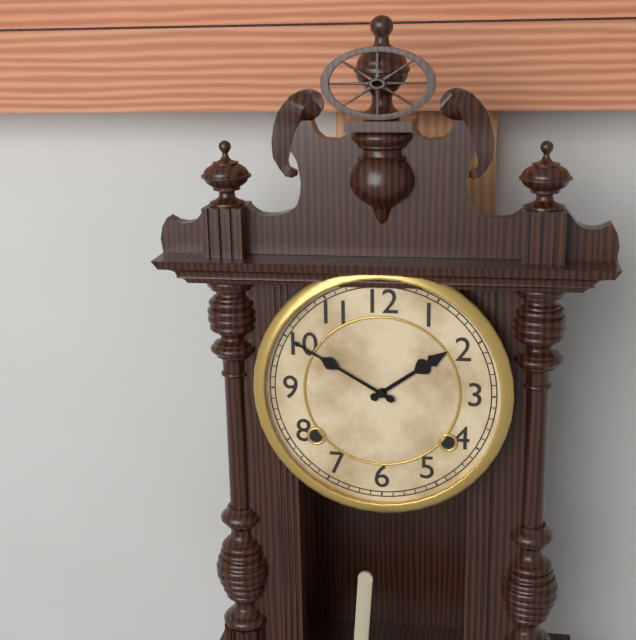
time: 1:50
